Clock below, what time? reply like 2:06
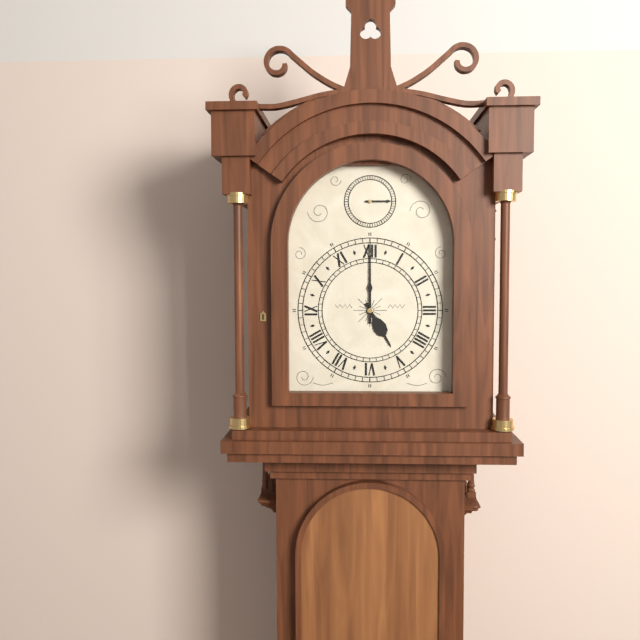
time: 5:00
